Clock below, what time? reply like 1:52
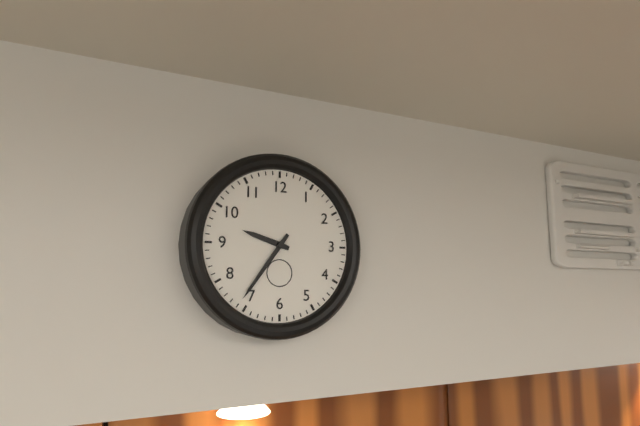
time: 9:36
